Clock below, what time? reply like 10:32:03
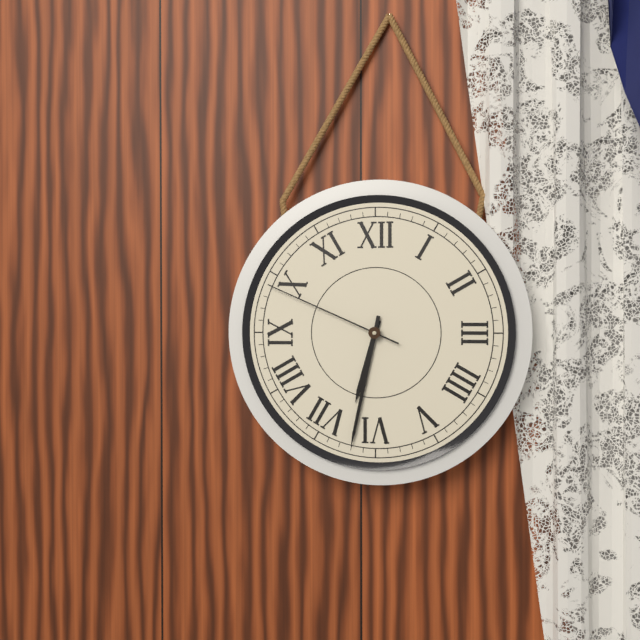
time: 6:32:49
